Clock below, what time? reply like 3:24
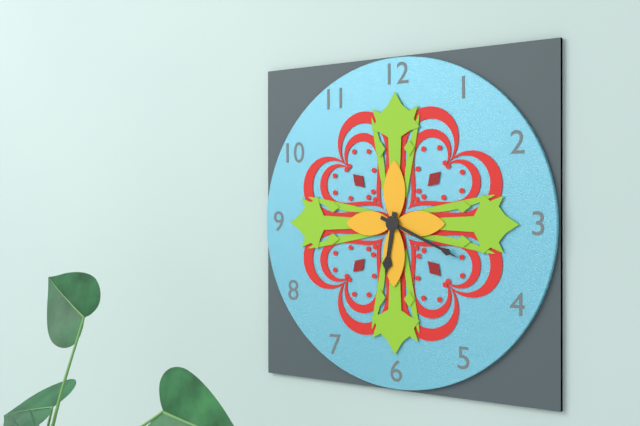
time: 6:19
